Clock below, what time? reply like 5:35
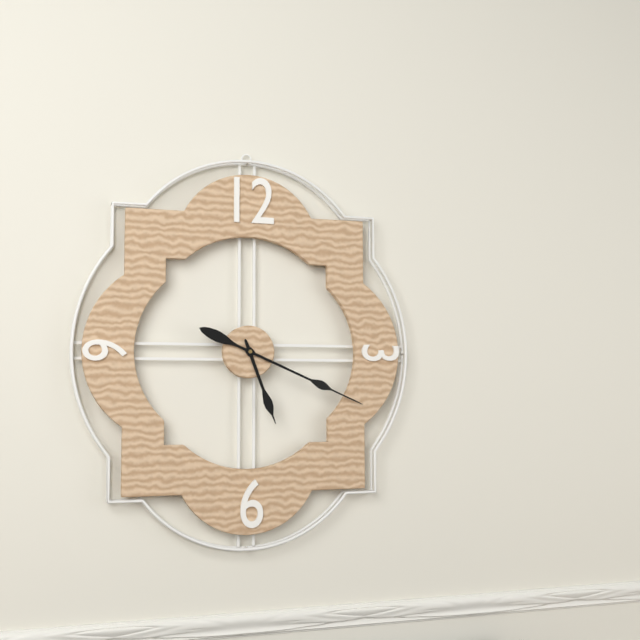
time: 5:19
